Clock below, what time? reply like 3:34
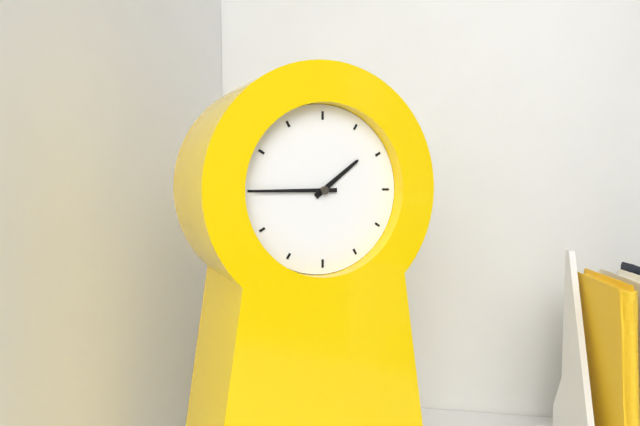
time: 1:45
